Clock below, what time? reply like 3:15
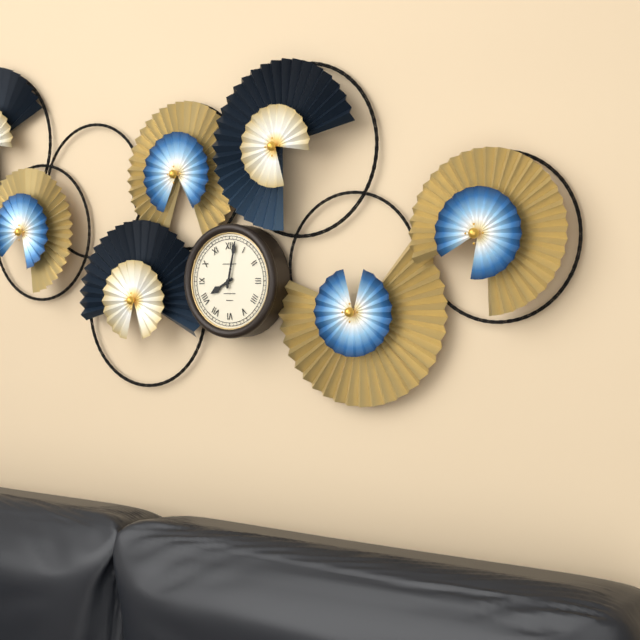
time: 8:02
